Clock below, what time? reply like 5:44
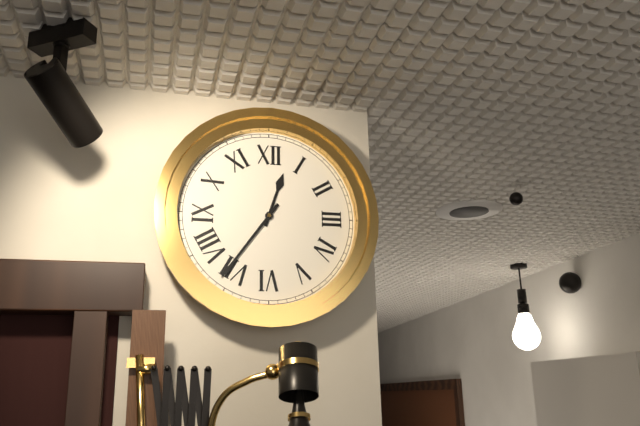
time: 12:36
